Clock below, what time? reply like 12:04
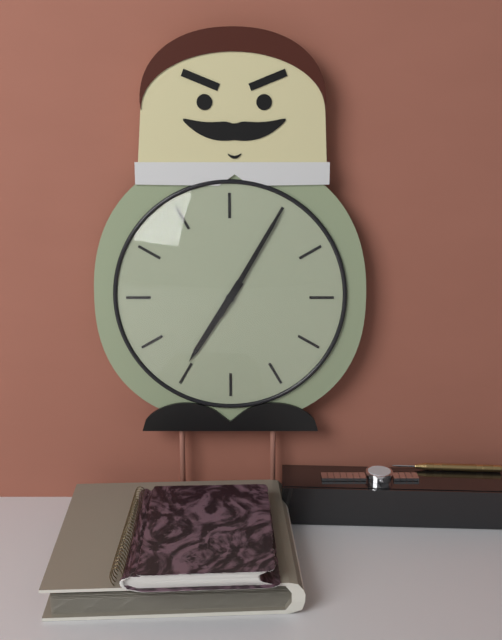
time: 7:05
